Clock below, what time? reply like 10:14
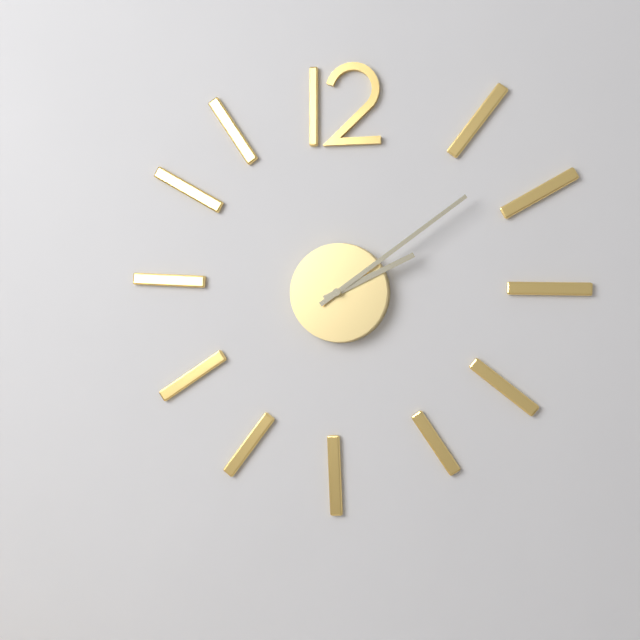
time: 2:09
